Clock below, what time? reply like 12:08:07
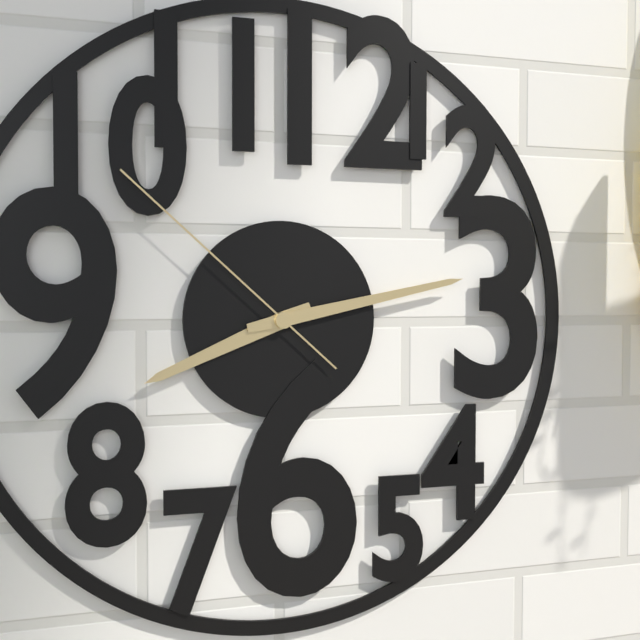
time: 8:13:52
